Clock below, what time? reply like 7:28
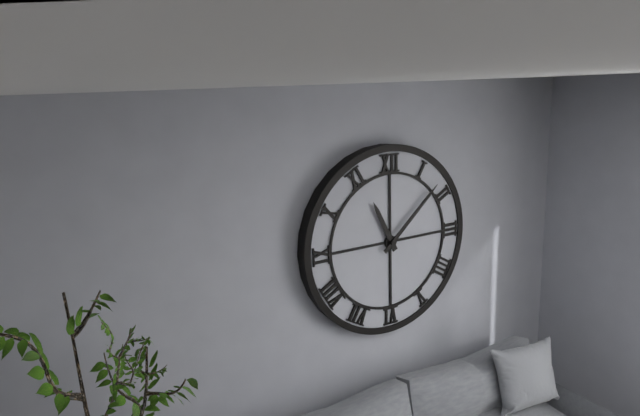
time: 11:08
